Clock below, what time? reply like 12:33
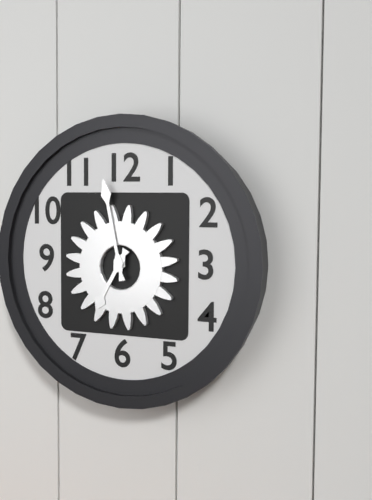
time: 6:58
